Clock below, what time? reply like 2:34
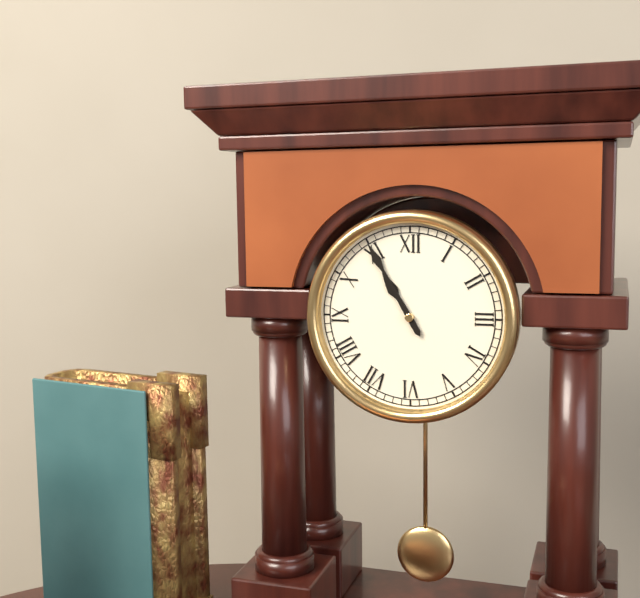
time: 10:55
